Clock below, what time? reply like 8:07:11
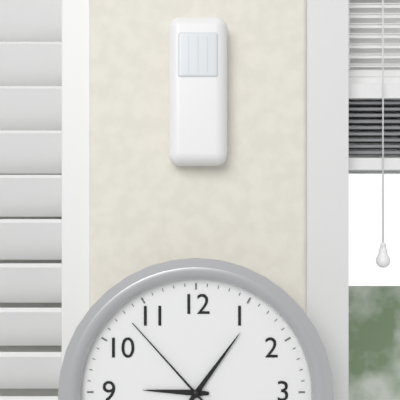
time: 9:06:53
